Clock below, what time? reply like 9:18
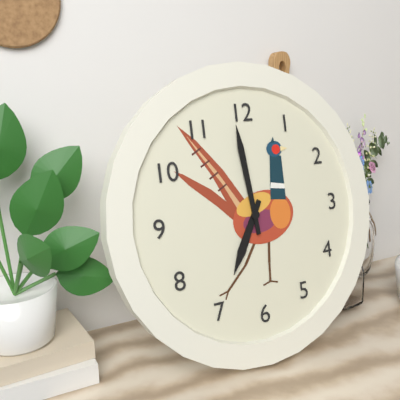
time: 6:59
